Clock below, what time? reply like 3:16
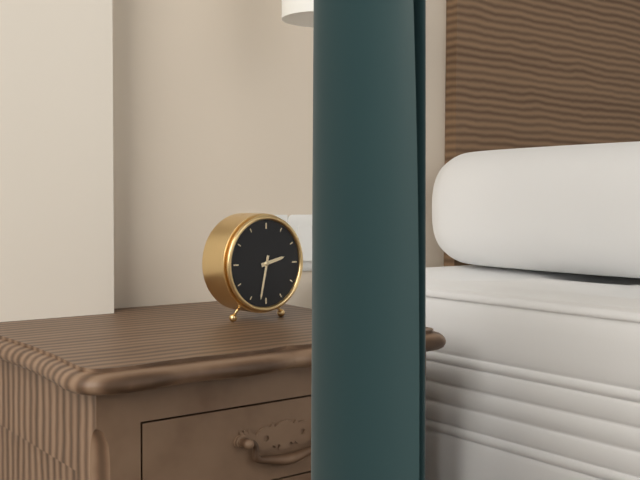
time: 2:32
